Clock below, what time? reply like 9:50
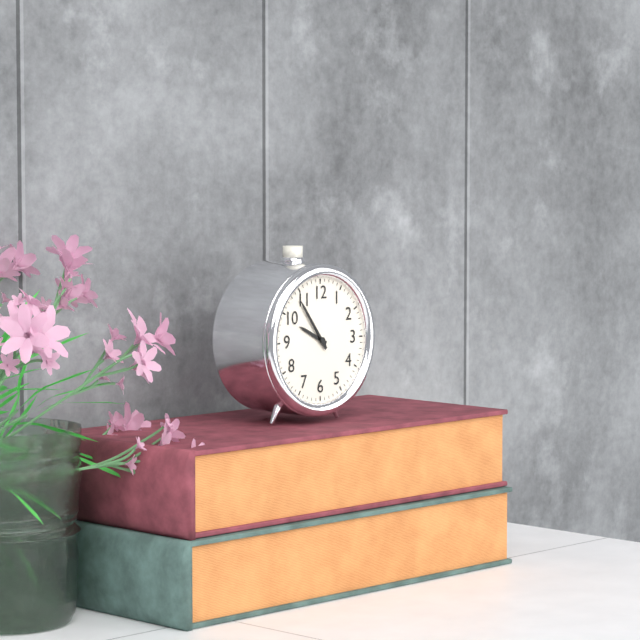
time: 9:54
